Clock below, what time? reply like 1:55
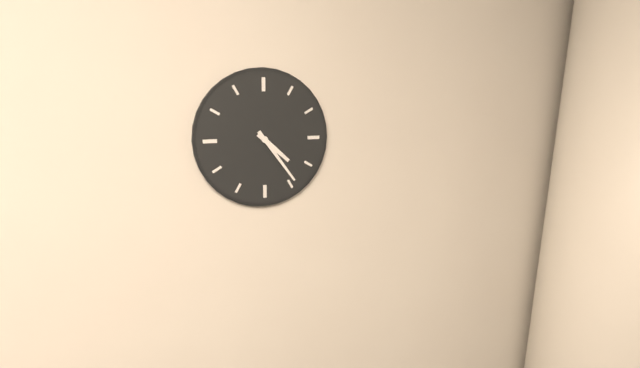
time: 4:24
